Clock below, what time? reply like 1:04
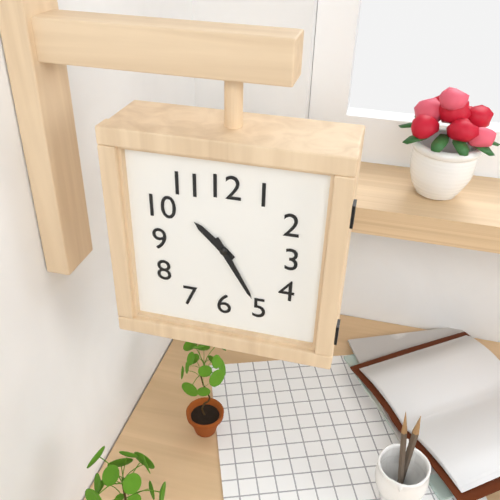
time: 10:25
